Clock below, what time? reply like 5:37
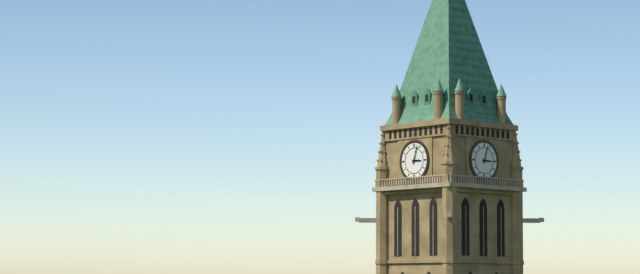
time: 3:03
